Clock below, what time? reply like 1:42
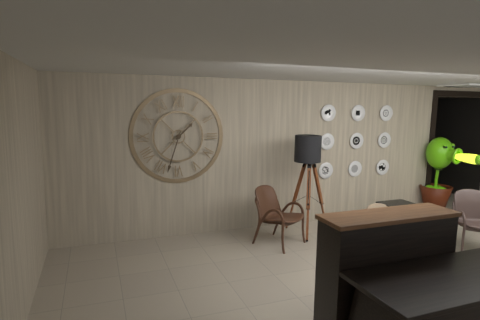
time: 1:33
